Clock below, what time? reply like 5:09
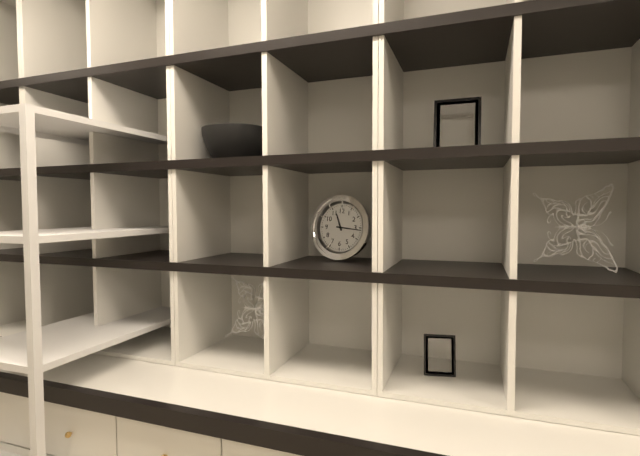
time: 11:16
